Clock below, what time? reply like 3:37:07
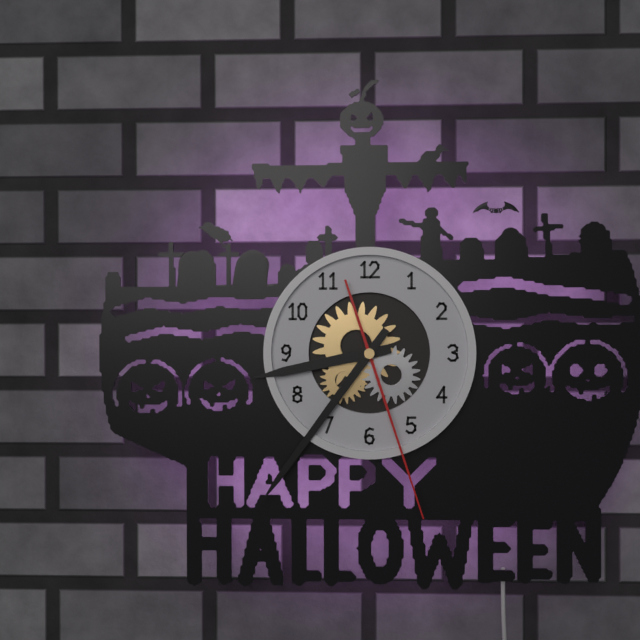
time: 8:36:27
